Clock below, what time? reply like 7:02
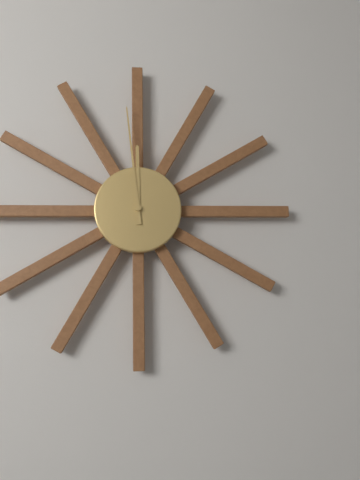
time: 11:59
